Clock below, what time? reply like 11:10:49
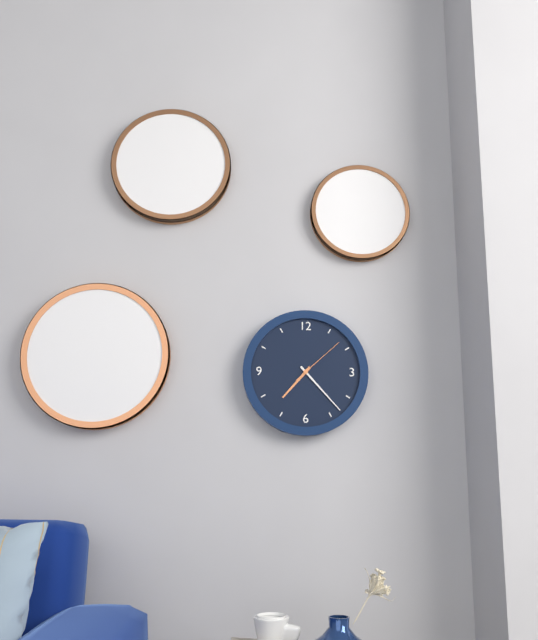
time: 7:23:08
